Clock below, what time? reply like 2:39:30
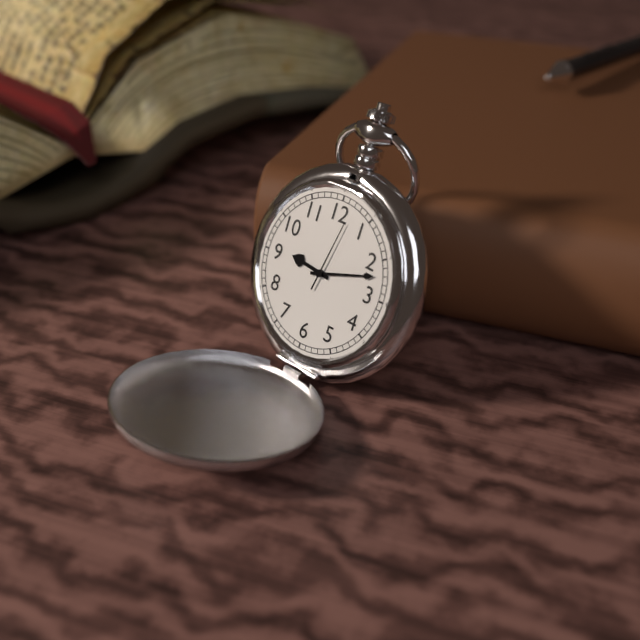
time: 9:12:02
